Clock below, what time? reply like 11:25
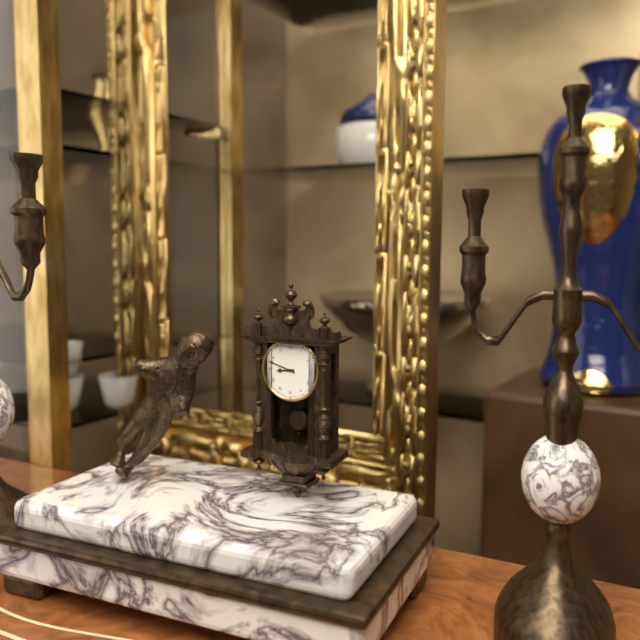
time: 8:48
